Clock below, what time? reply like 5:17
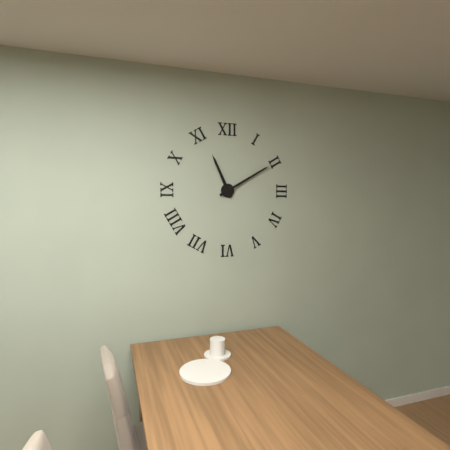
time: 11:10
